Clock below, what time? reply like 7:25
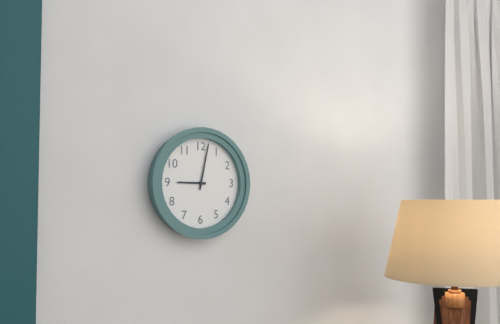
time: 9:02
